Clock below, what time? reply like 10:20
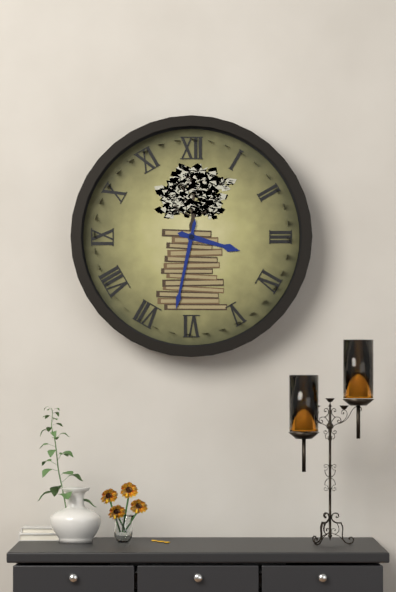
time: 3:32
